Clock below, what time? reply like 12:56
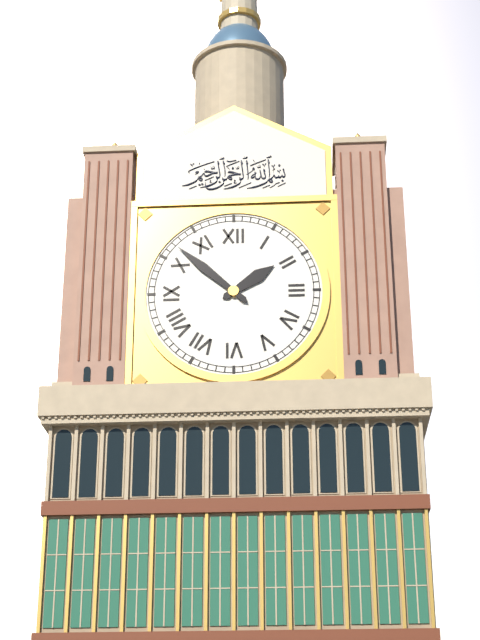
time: 1:52
